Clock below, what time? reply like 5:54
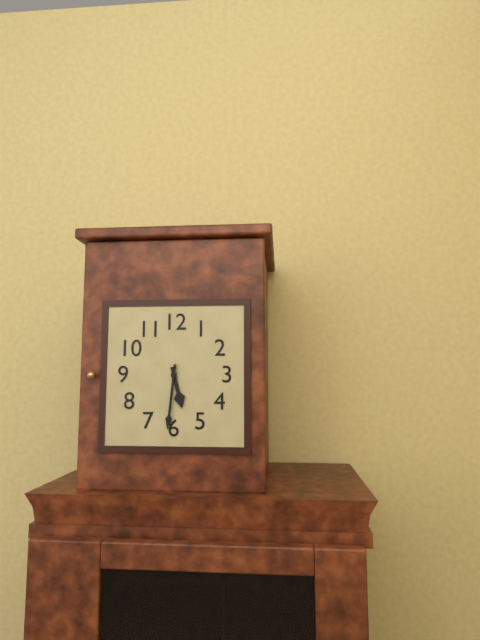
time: 5:31
